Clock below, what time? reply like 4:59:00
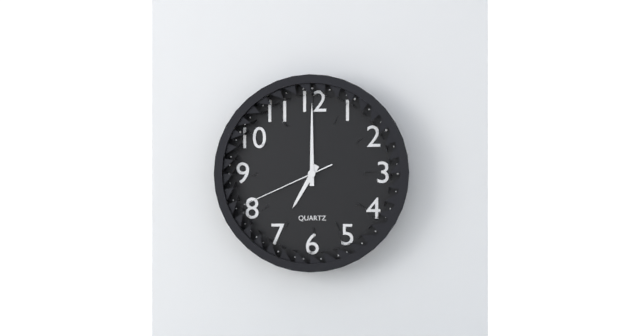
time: 7:00:41
